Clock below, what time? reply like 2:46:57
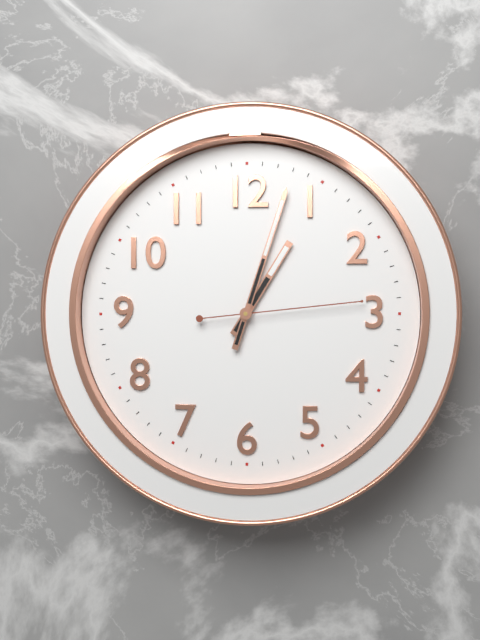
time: 1:03:14
